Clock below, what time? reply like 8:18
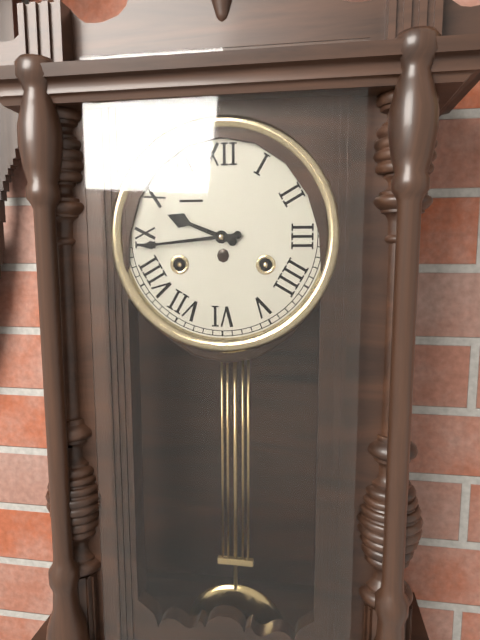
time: 9:44
